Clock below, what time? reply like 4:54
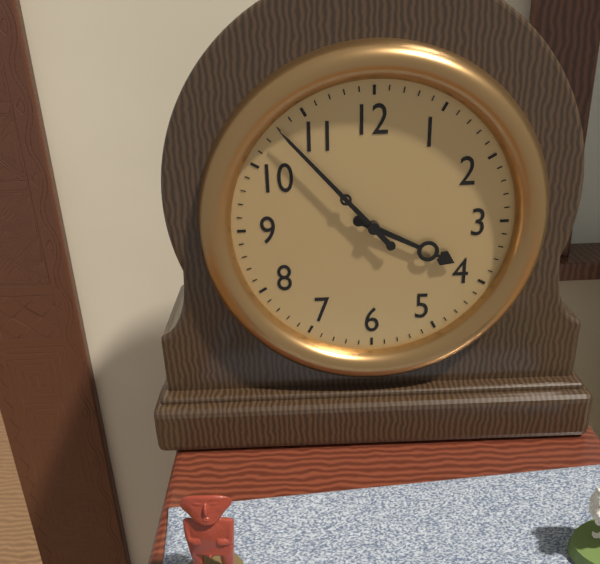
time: 3:53
